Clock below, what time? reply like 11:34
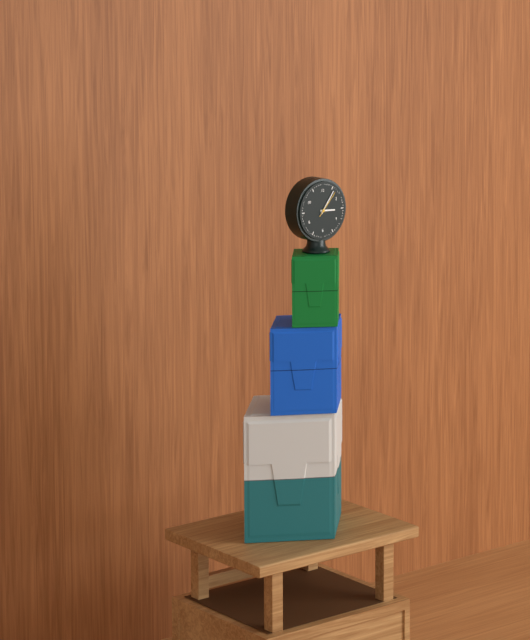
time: 3:06
